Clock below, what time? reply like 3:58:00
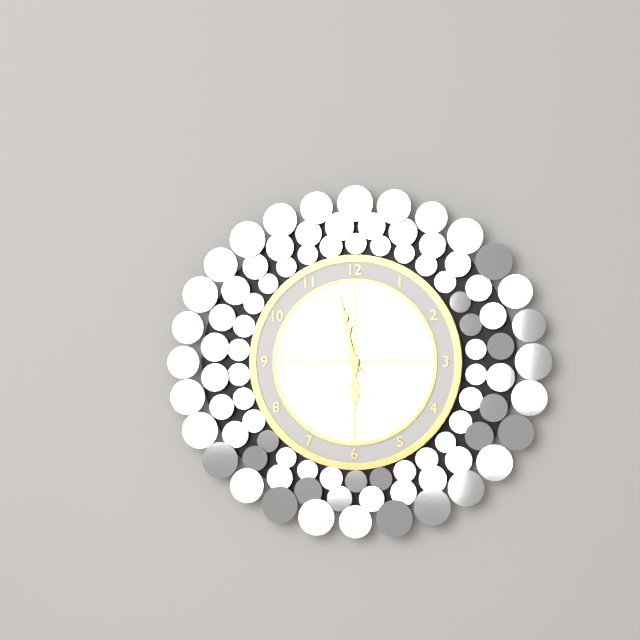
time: 5:58:53
